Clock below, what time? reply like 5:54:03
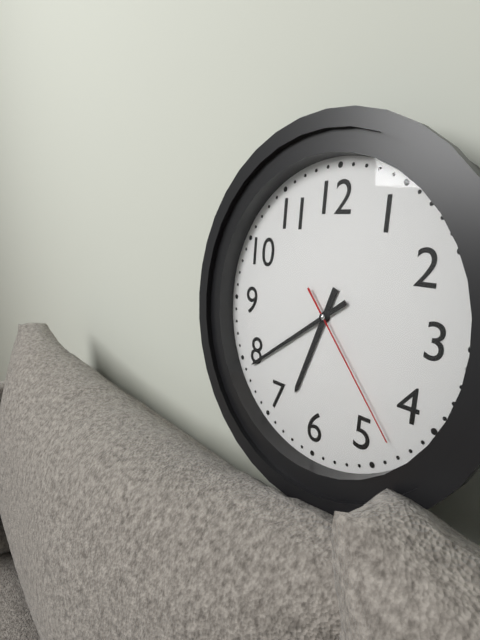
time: 6:39:23
